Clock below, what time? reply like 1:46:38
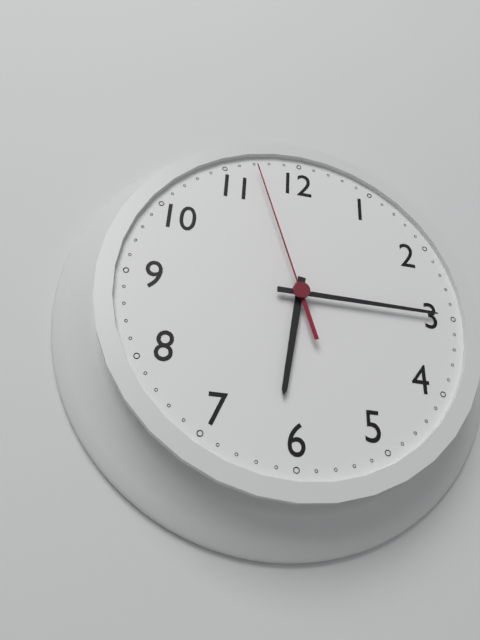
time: 6:15:57
